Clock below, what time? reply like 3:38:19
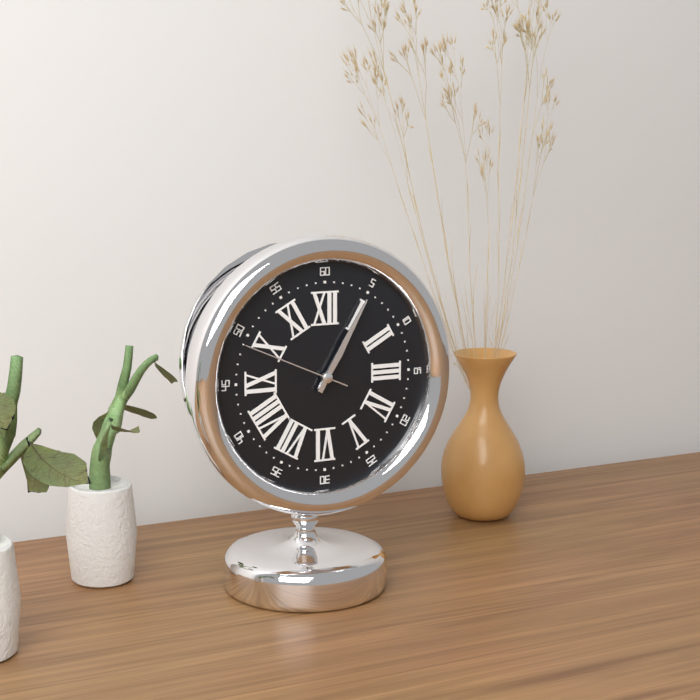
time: 1:05:49
